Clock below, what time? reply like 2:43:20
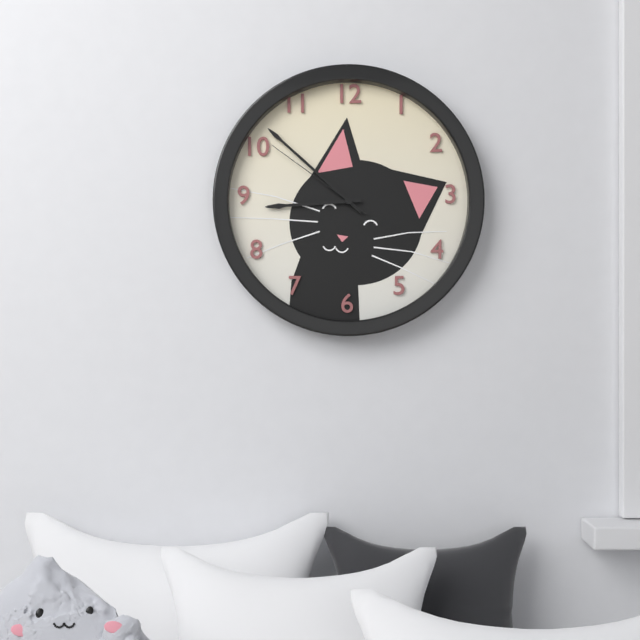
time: 8:52:51
